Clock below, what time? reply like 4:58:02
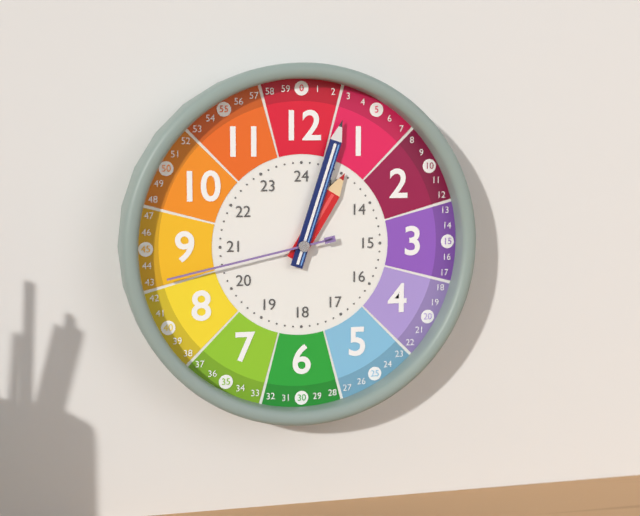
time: 1:03:43
